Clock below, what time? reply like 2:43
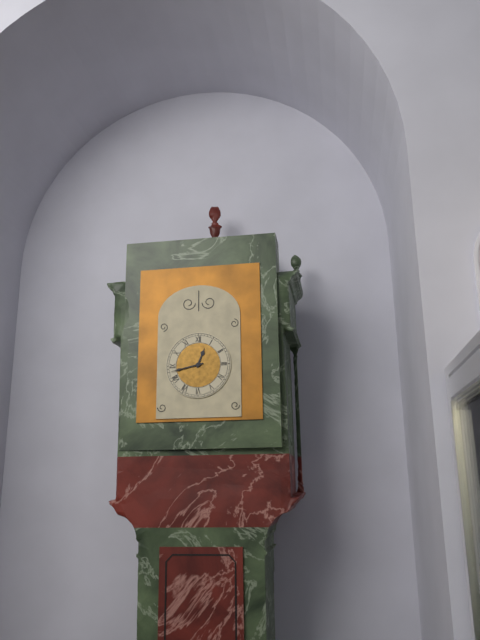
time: 12:43
